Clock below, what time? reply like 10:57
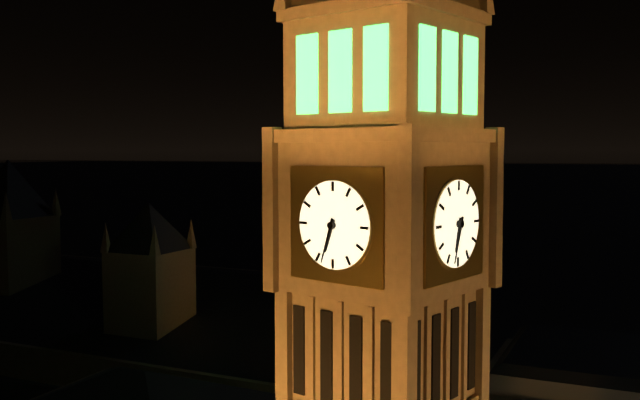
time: 6:33
